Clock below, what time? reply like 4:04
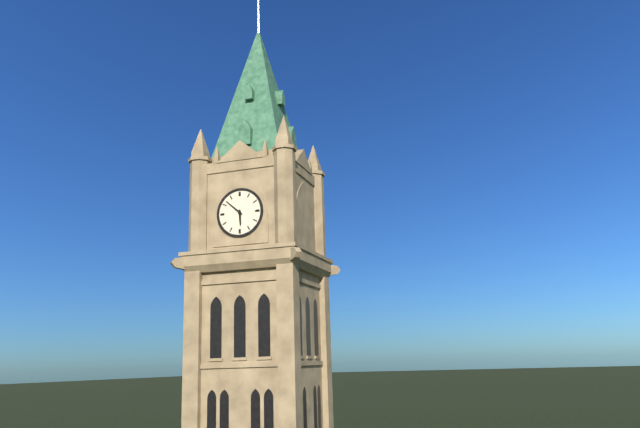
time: 5:52
